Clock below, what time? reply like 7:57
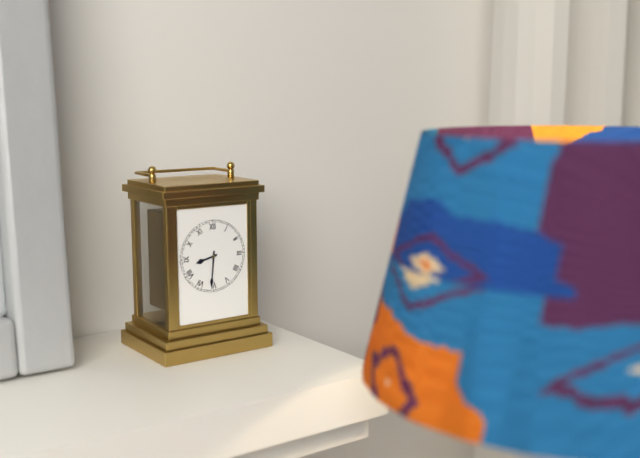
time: 8:31
